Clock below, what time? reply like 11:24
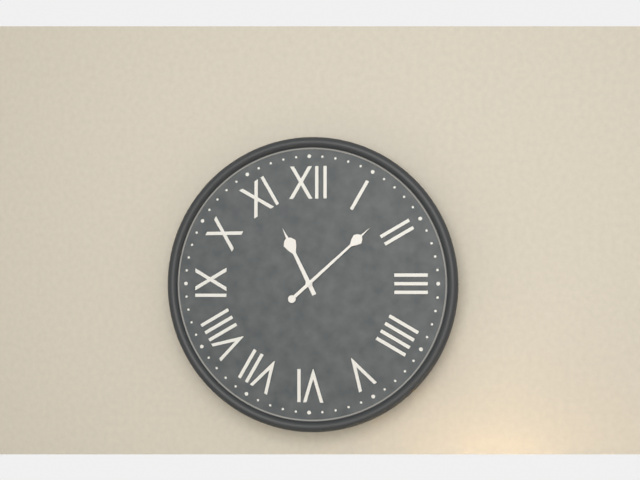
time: 11:08
